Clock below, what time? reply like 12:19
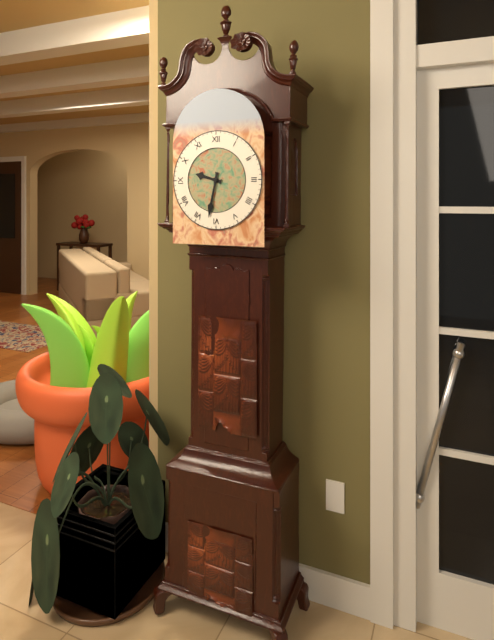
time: 9:32
